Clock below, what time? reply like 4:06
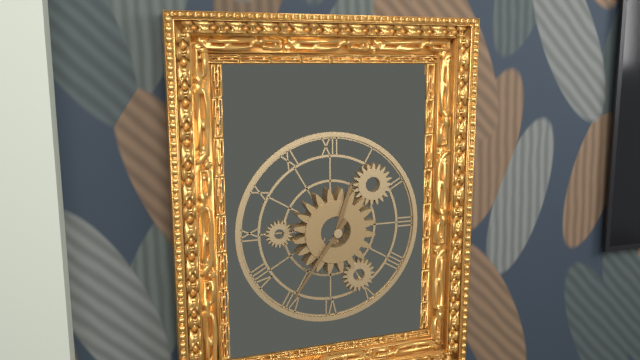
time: 12:36
